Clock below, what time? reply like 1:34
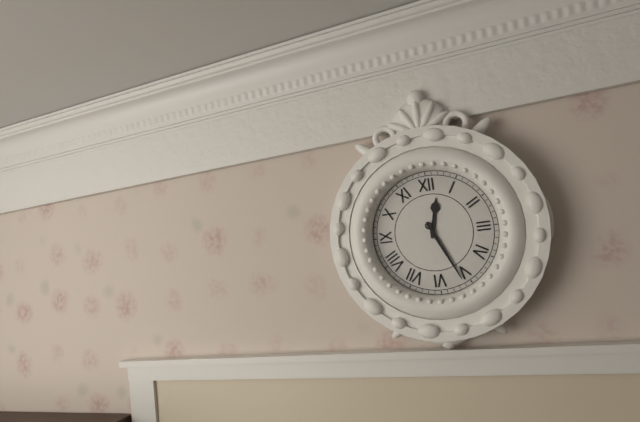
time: 12:26
